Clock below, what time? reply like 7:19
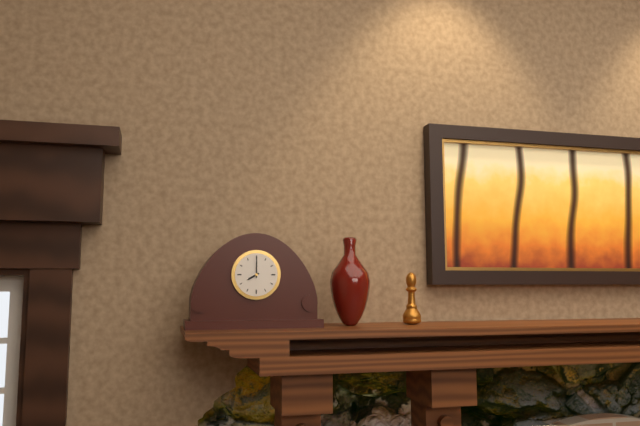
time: 8:00
